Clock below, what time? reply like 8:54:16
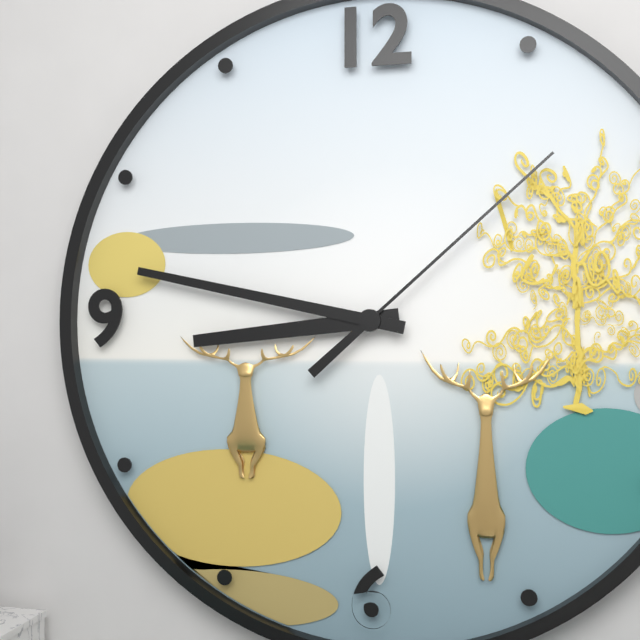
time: 8:47:08
